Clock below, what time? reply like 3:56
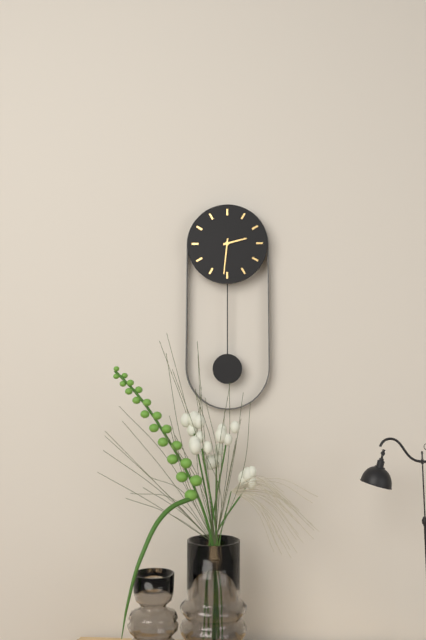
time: 2:31
